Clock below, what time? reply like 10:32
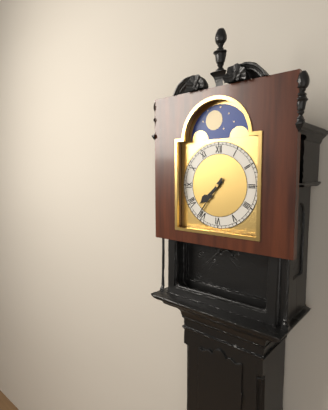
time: 7:36
